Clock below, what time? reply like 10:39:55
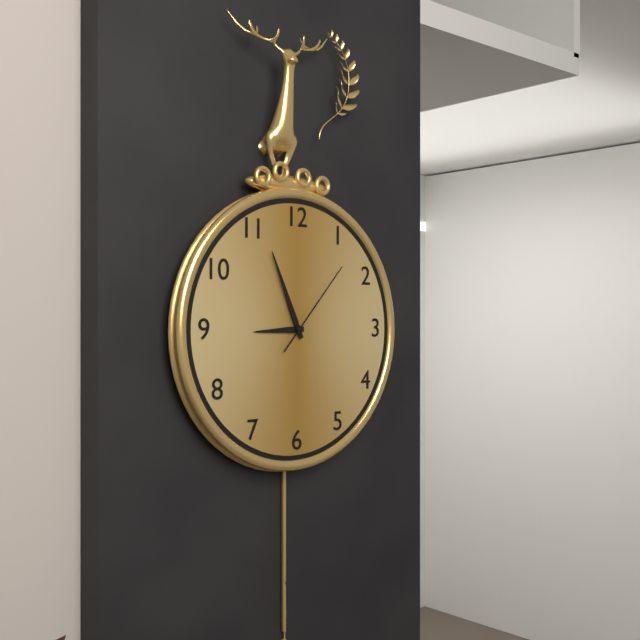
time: 8:56:07
